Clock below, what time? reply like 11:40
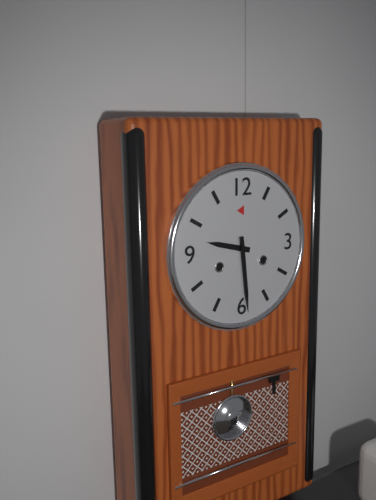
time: 9:29
